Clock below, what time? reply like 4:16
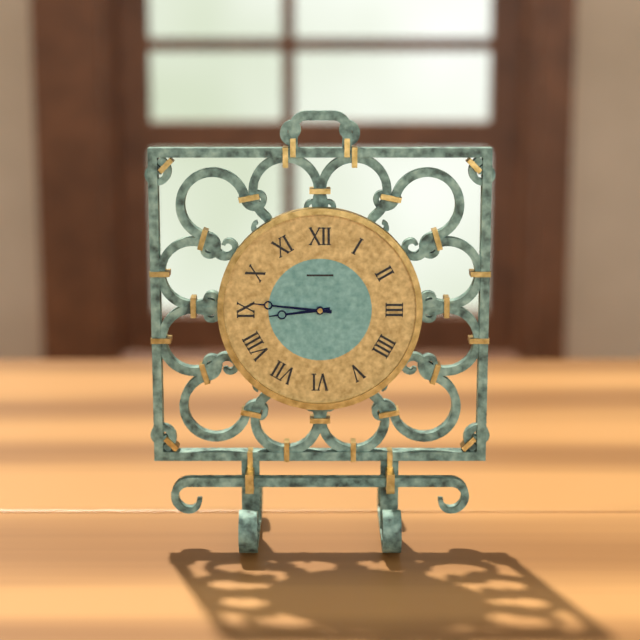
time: 8:46
